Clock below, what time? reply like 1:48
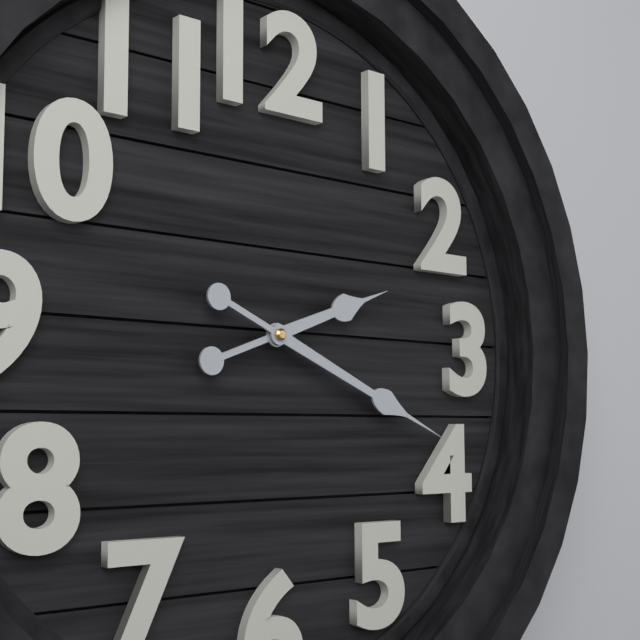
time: 2:19
